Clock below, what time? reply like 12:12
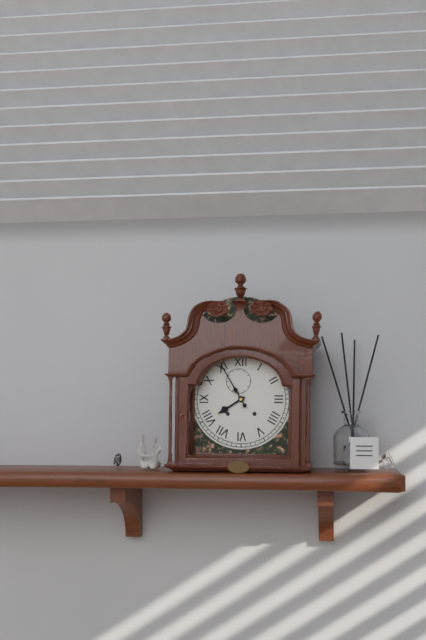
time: 7:55
